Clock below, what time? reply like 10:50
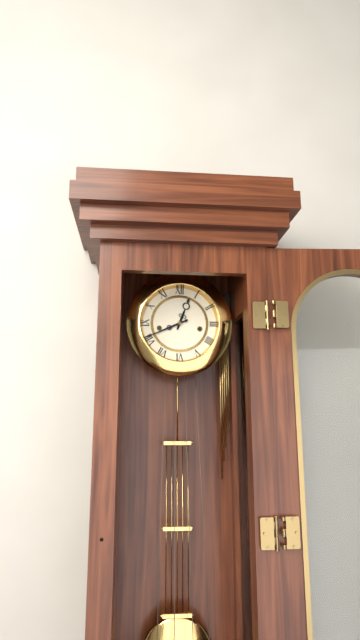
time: 12:41
